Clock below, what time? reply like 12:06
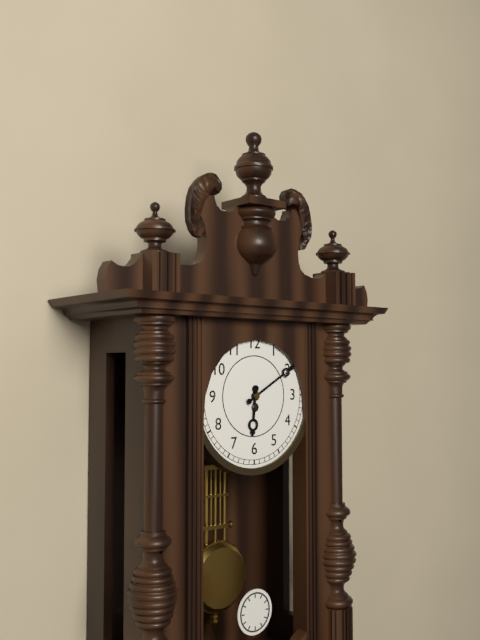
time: 6:10
